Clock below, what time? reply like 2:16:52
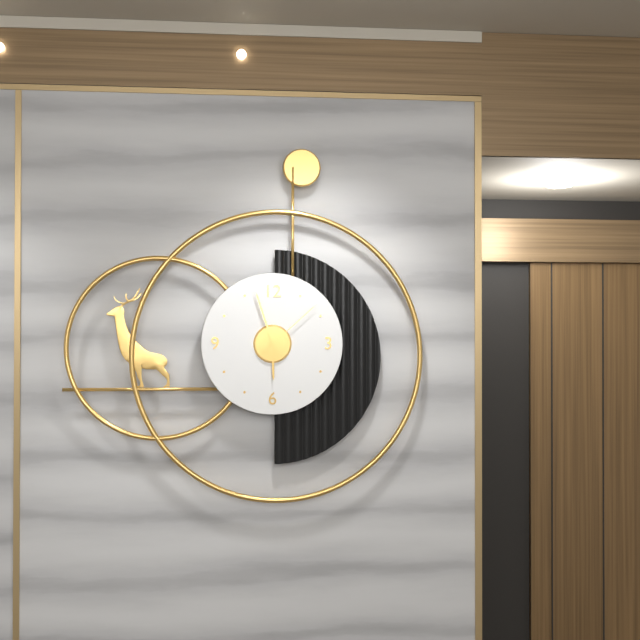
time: 5:57:08
